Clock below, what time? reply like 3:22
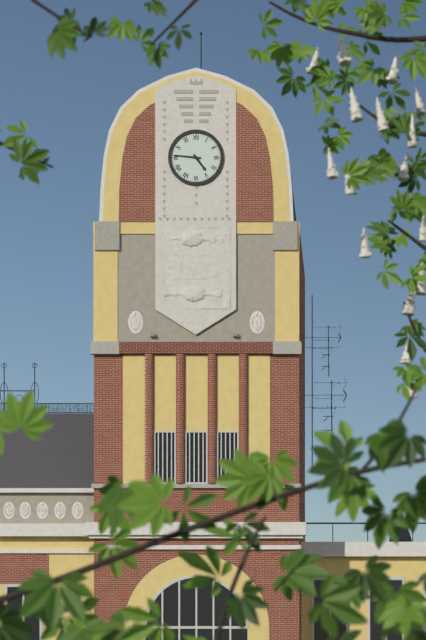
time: 4:46
